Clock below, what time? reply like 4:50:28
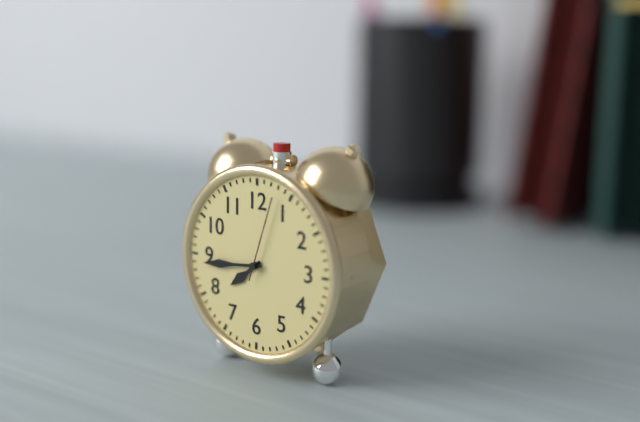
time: 7:44:03
